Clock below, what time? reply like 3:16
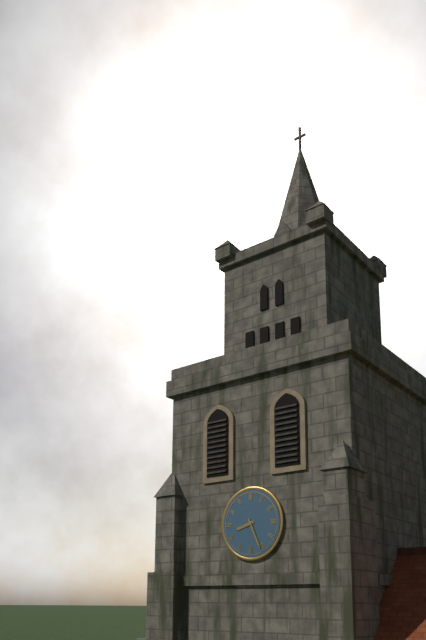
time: 8:26
